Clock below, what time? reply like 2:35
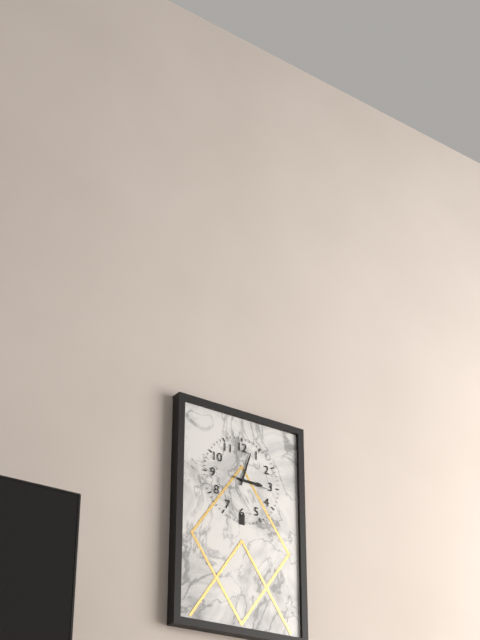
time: 3:03
